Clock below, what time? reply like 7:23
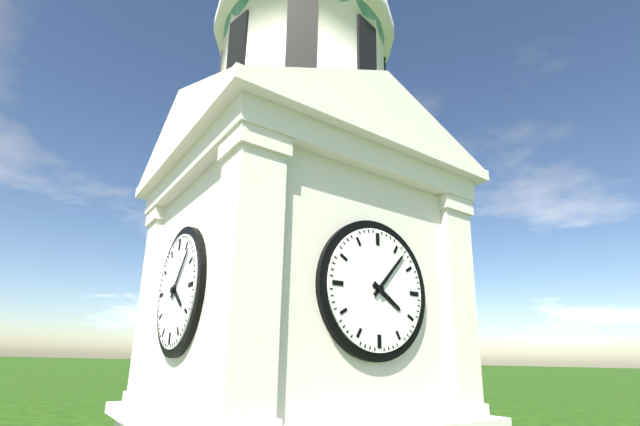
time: 4:07
